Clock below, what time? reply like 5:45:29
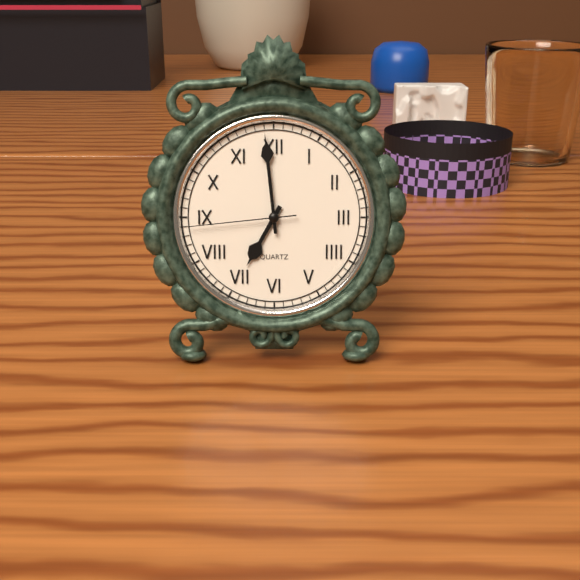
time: 6:59:44
